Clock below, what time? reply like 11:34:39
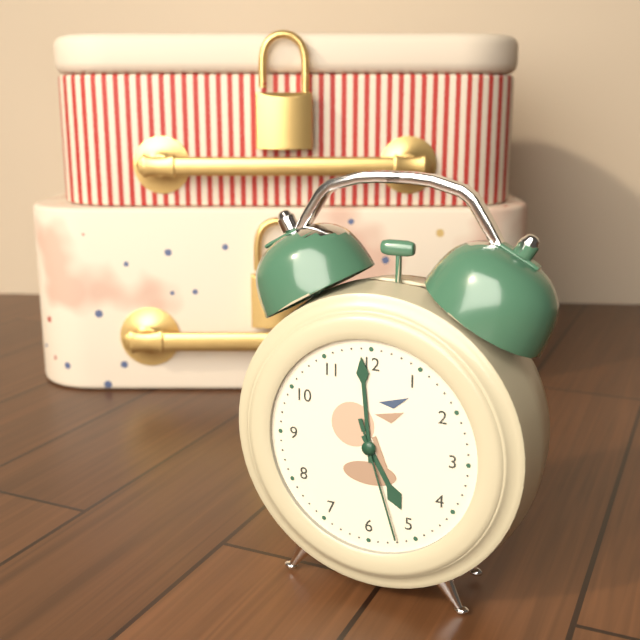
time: 4:59:27
